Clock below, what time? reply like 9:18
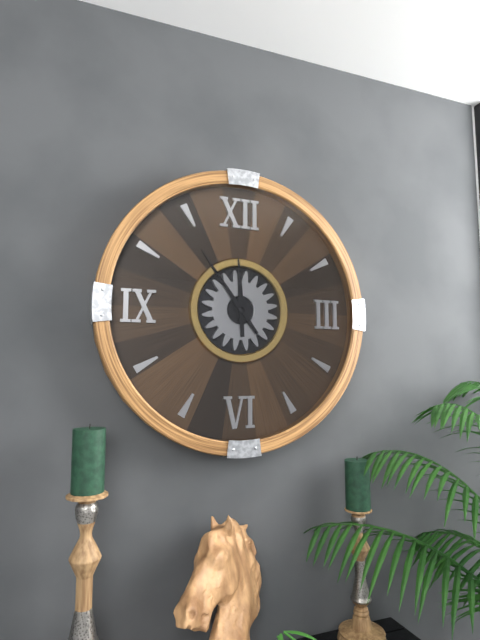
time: 11:54
